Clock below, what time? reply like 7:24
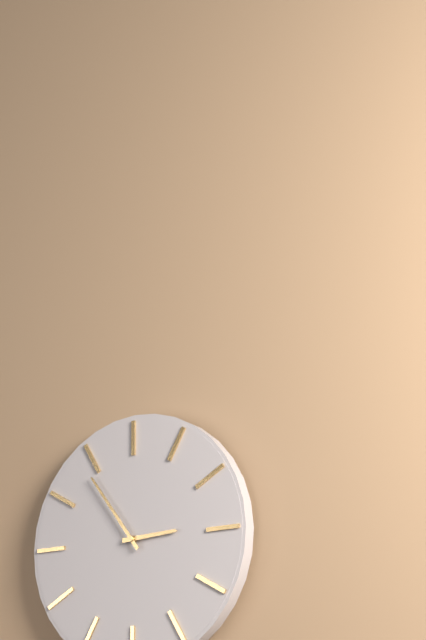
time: 2:54
